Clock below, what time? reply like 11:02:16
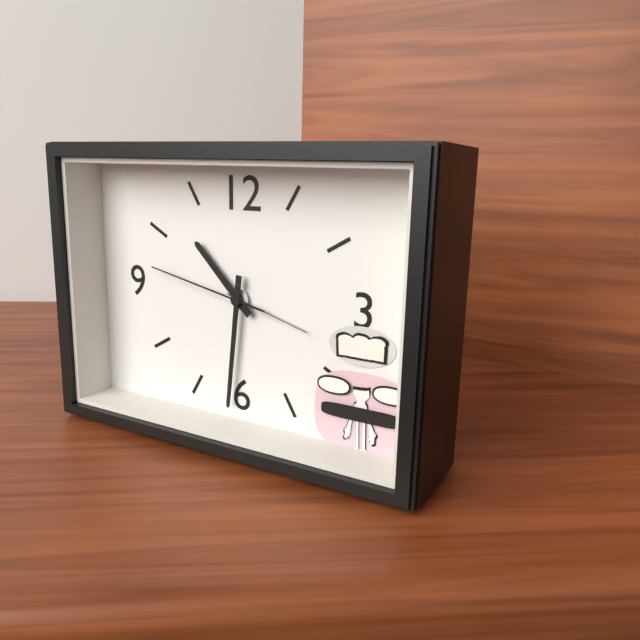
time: 10:31:47
